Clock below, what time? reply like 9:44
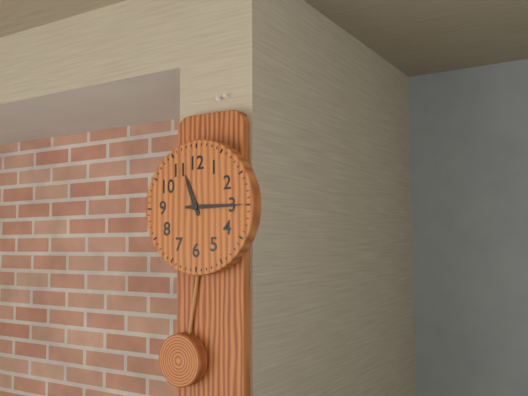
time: 11:15
